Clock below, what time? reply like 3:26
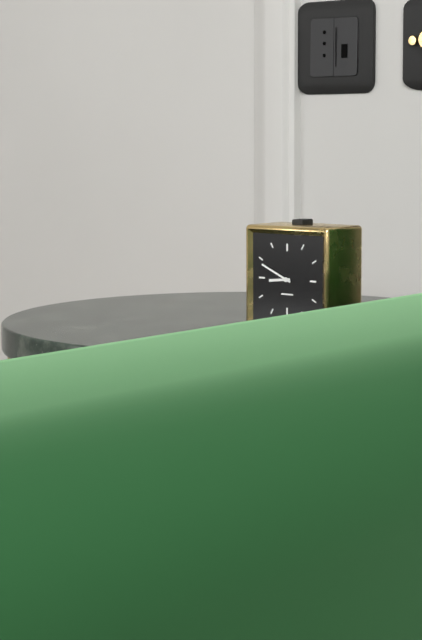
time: 8:49
